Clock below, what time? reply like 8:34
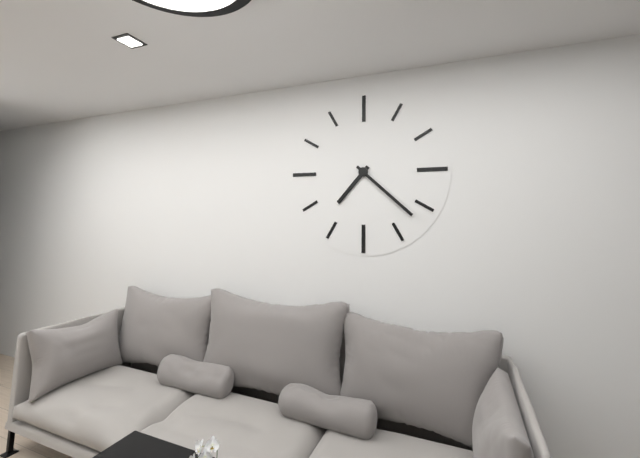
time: 7:22
